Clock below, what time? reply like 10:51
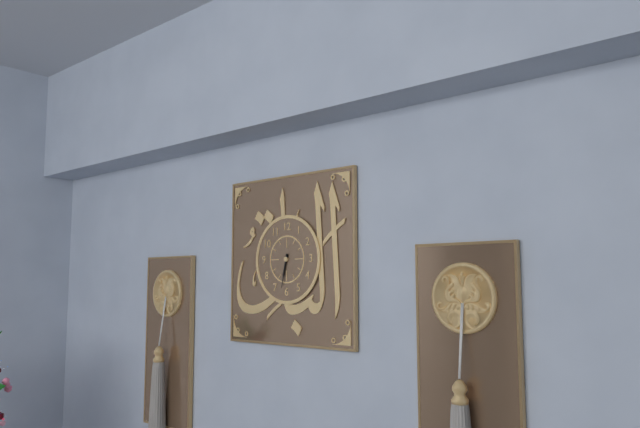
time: 6:32
